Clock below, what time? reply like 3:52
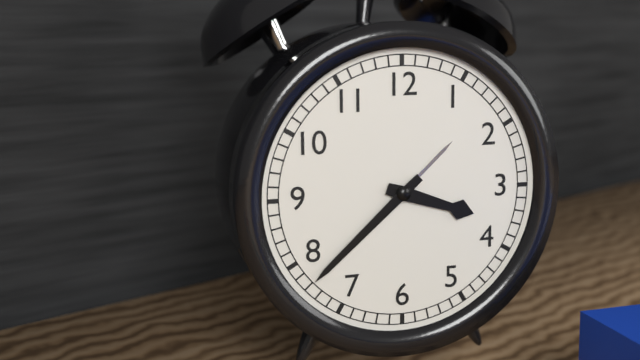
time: 3:38
